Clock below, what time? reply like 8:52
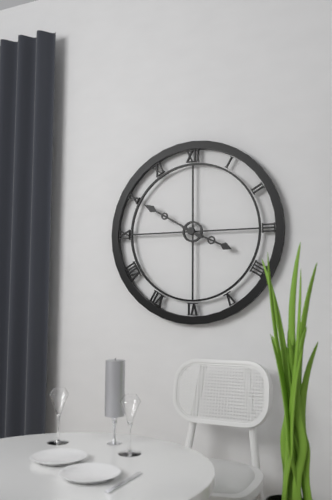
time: 3:50
